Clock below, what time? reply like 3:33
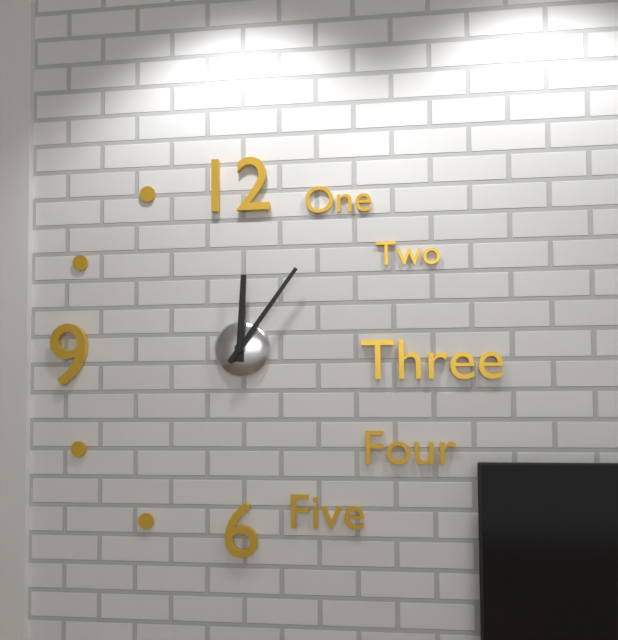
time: 12:06
